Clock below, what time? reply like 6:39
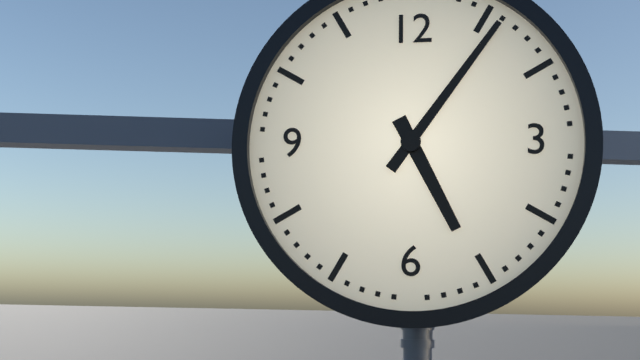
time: 5:06
